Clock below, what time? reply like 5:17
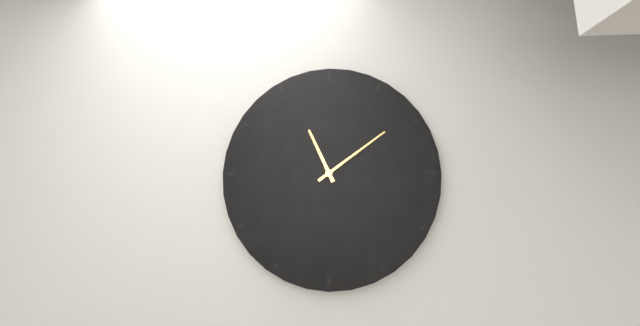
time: 11:09
